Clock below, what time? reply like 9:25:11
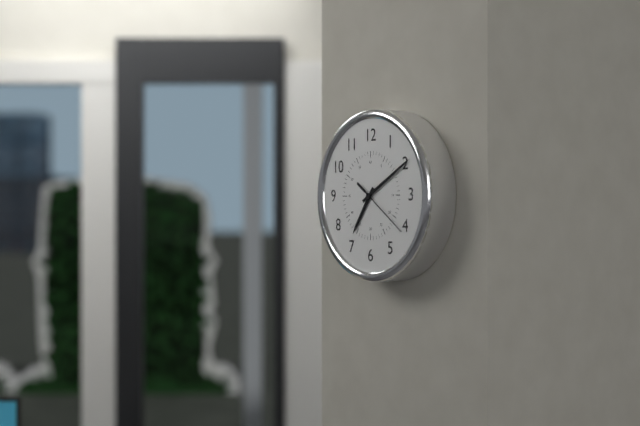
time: 7:10:21
